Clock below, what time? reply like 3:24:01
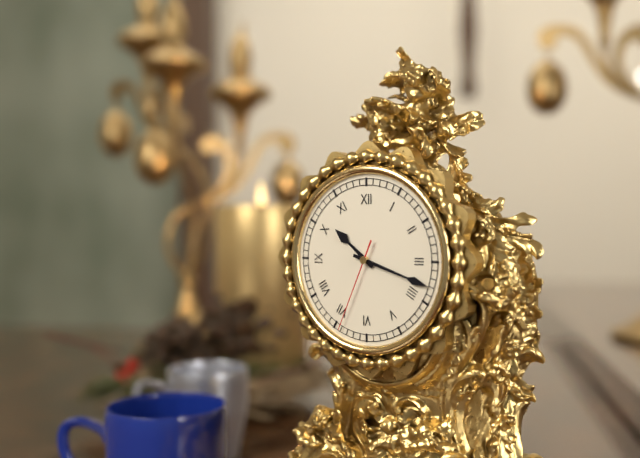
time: 10:18:34
